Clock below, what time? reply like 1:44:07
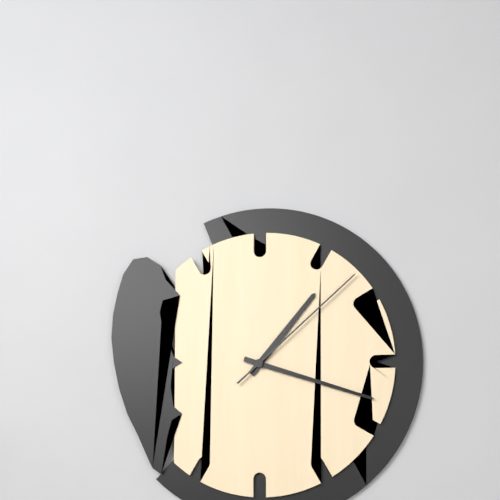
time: 1:18:08
